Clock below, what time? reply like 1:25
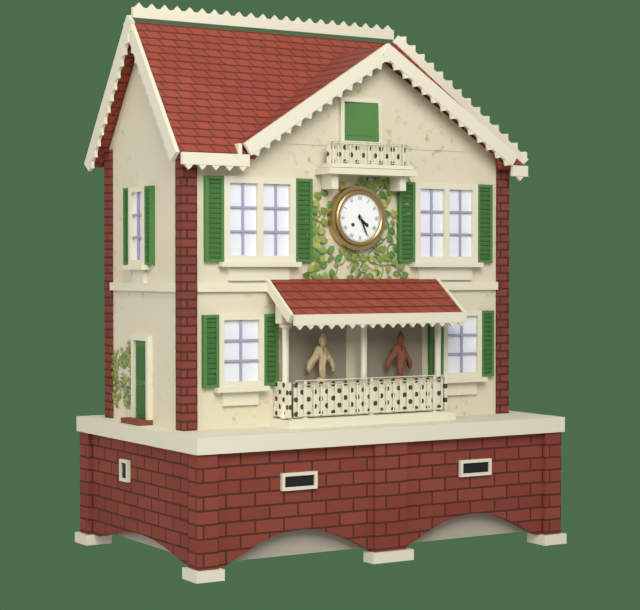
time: 4:26
